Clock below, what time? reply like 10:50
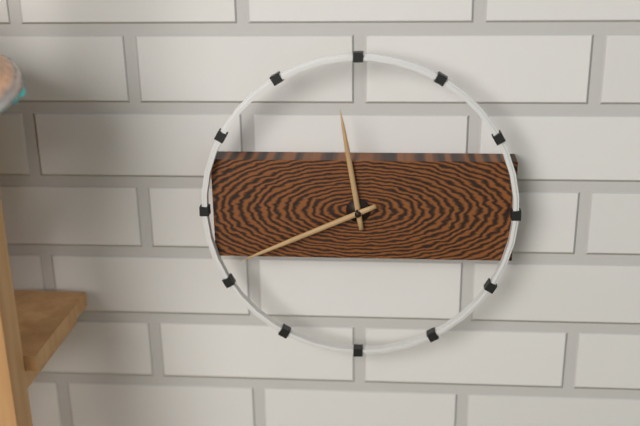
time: 11:41
